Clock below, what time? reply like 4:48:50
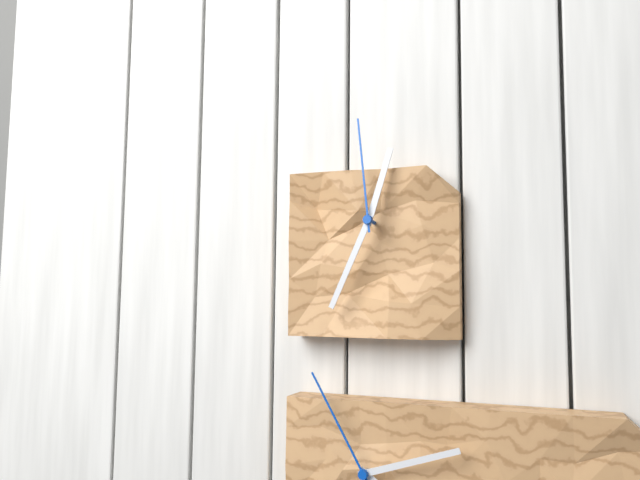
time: 12:34:59
